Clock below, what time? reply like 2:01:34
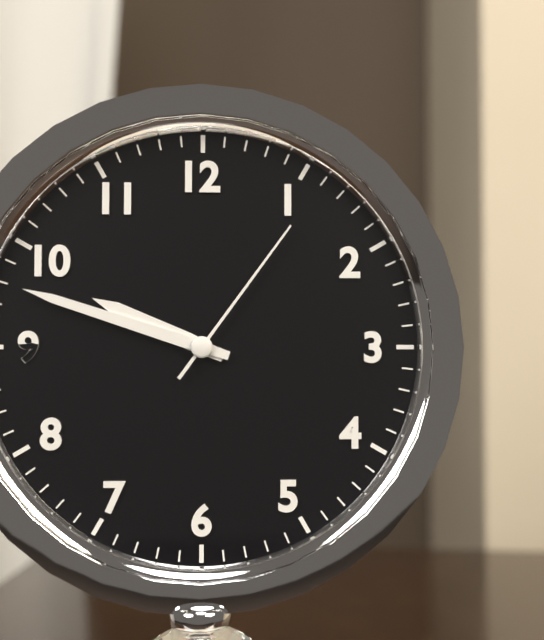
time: 9:48:06
